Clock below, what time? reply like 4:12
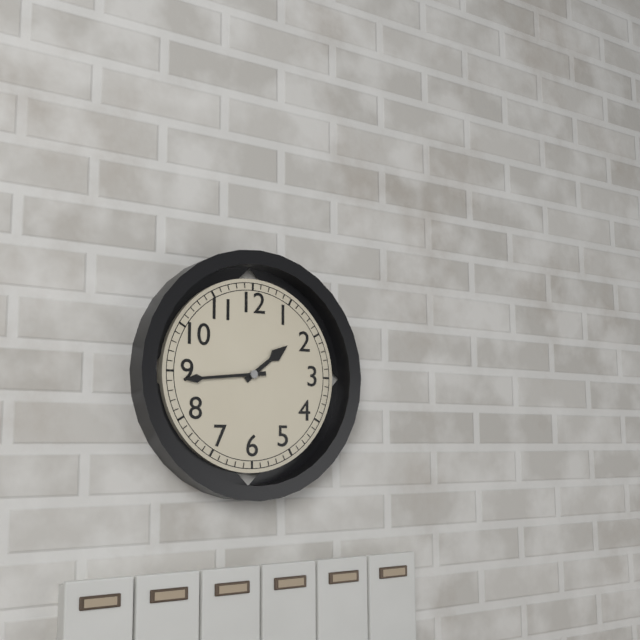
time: 1:44
